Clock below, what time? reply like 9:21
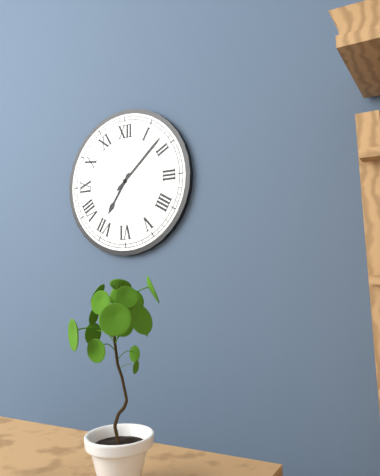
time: 7:08
